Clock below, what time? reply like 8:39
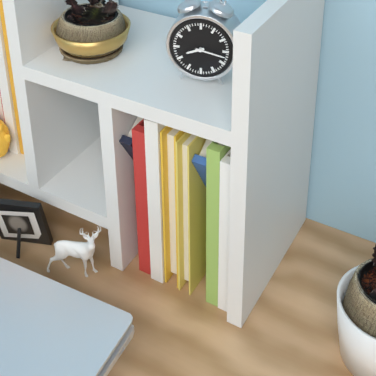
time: 8:17
